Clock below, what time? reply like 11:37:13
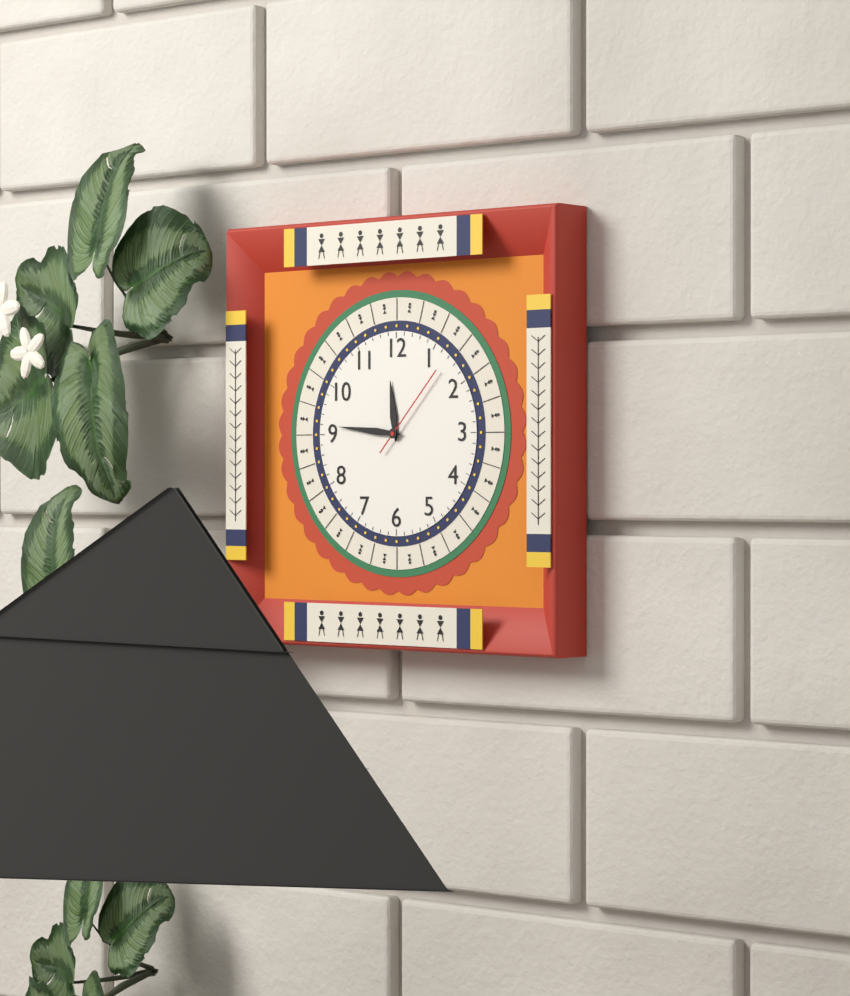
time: 11:46:07
